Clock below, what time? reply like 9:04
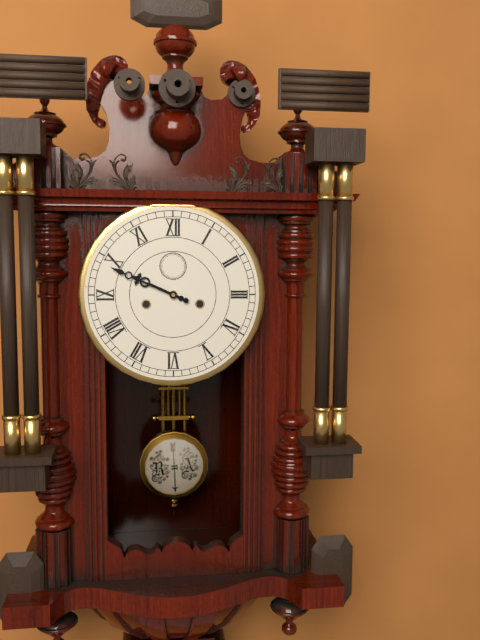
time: 9:49
